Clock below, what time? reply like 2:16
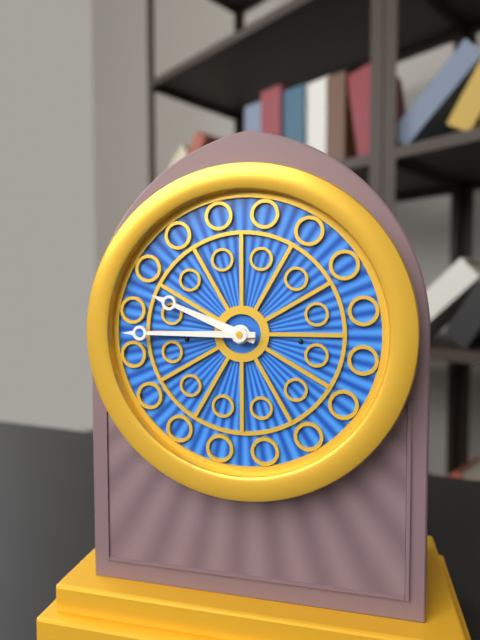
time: 9:45
